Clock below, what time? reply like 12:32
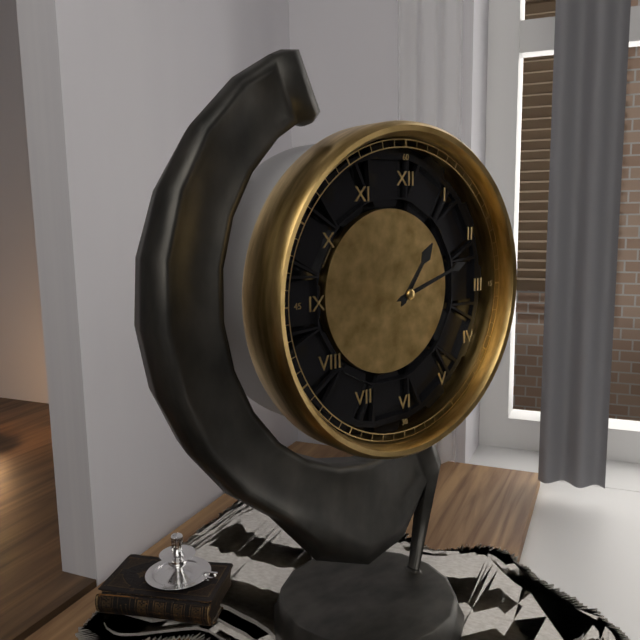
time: 1:12
